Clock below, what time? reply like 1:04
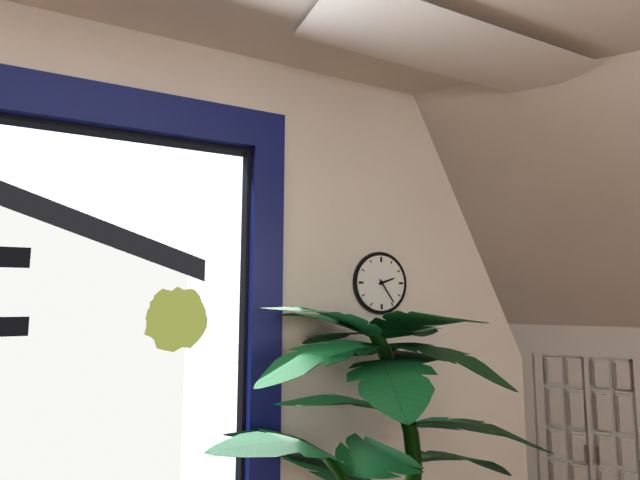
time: 2:24
